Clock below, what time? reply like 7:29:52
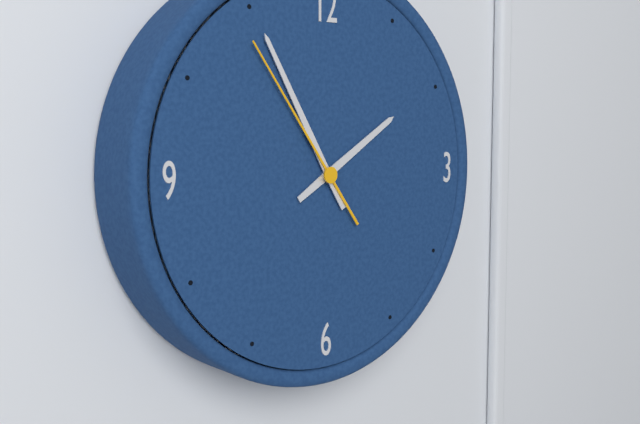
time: 1:55:54
